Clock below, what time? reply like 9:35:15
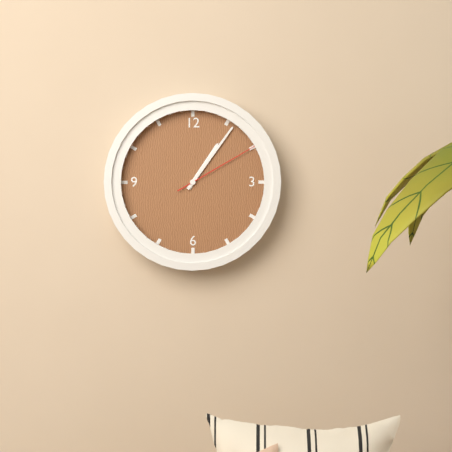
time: 1:06:10
